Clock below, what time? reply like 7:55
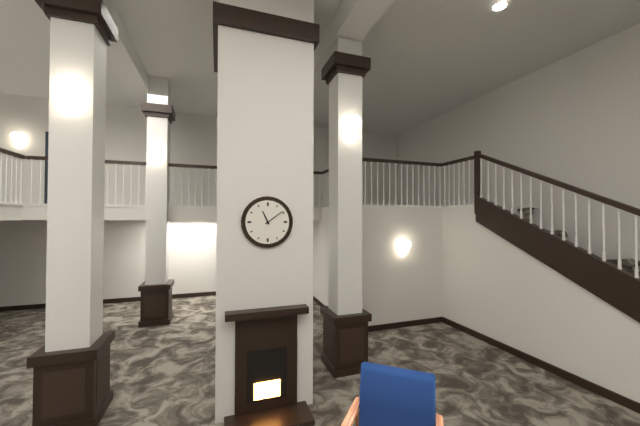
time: 11:09
